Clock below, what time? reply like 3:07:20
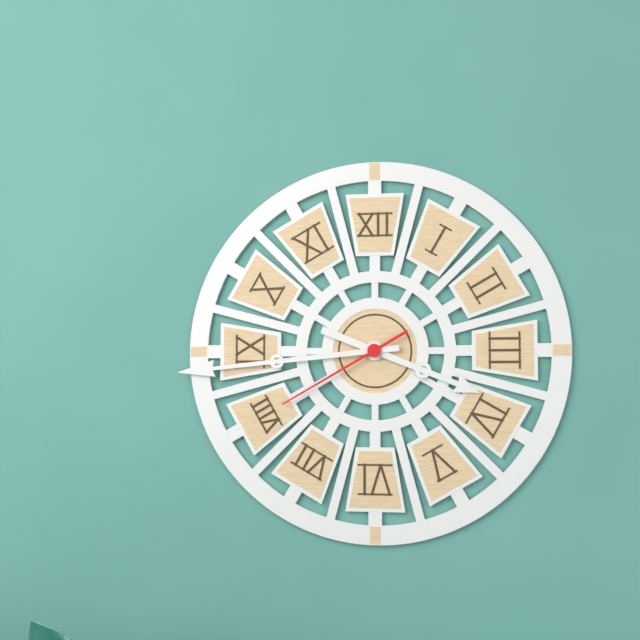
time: 3:44:40
